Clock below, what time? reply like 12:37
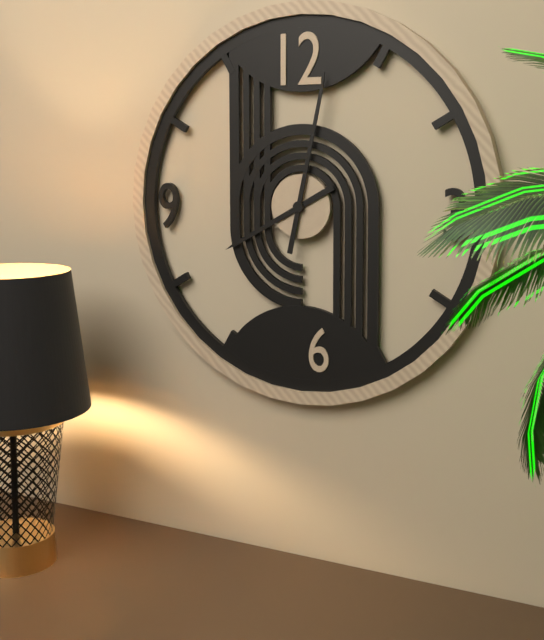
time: 8:02
